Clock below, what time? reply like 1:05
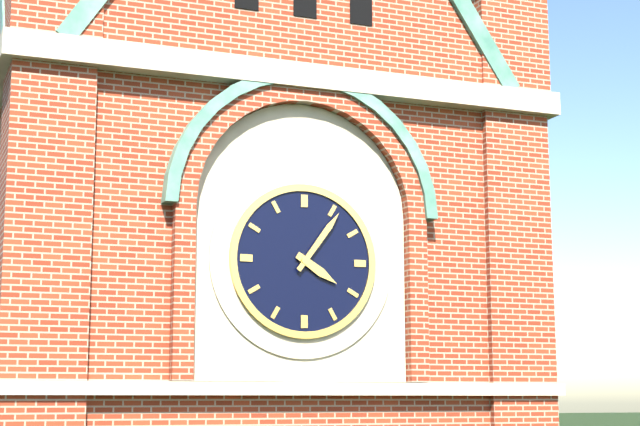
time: 4:06
